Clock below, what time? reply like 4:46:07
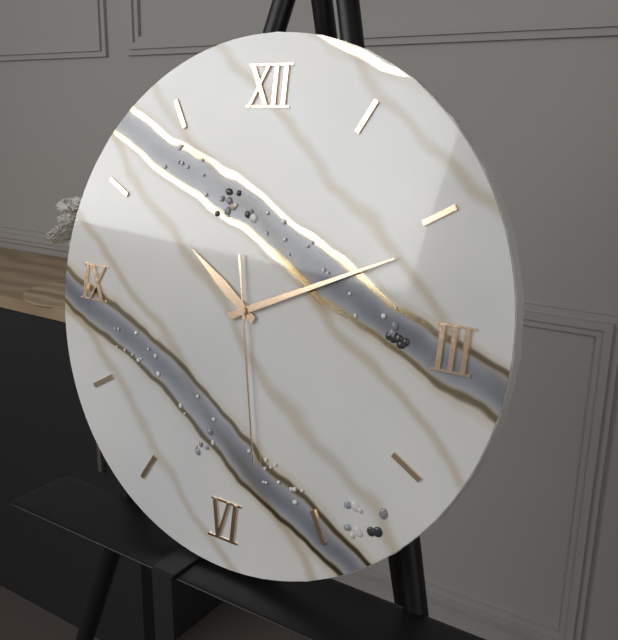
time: 10:11:28
